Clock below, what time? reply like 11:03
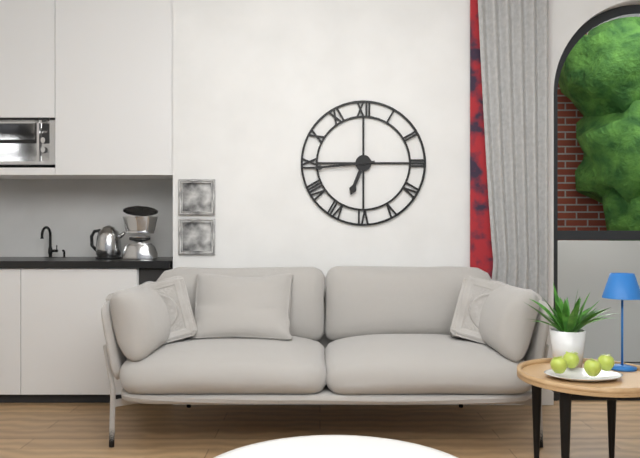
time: 6:44
